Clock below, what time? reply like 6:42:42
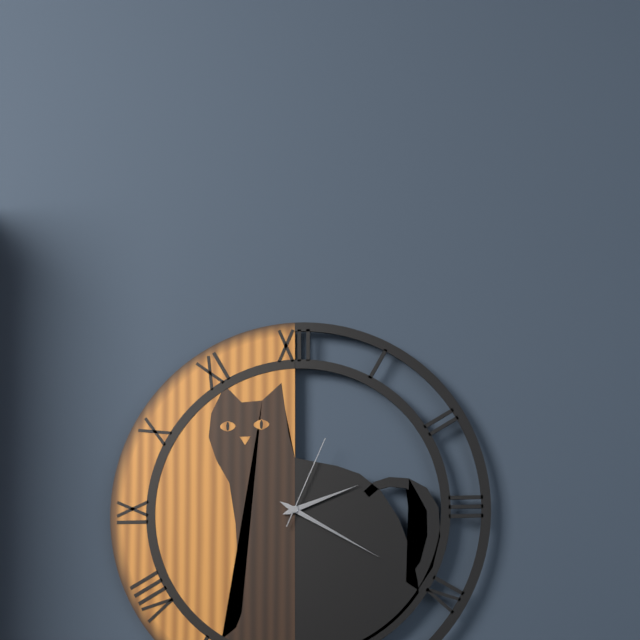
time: 2:20:04
